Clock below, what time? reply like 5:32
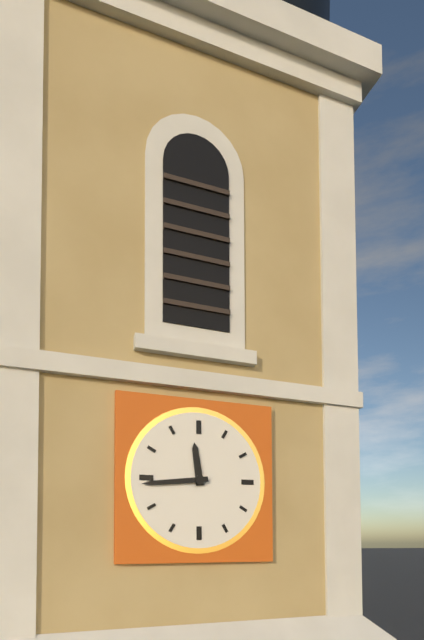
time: 11:44
